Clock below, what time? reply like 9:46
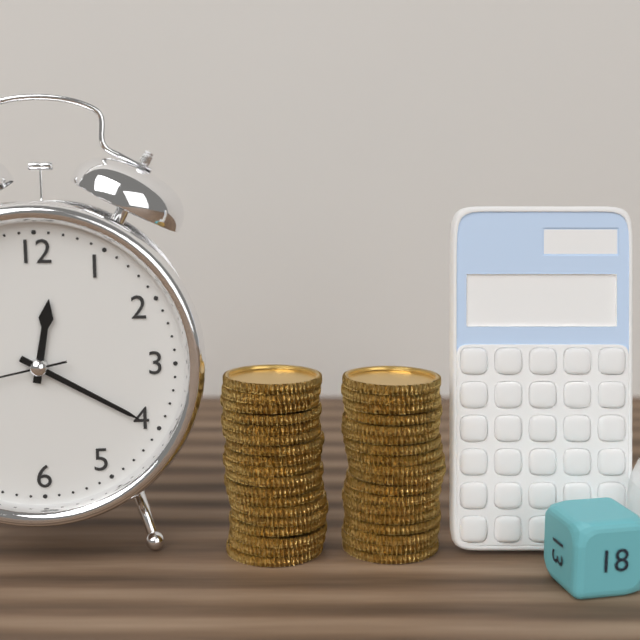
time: 12:20
